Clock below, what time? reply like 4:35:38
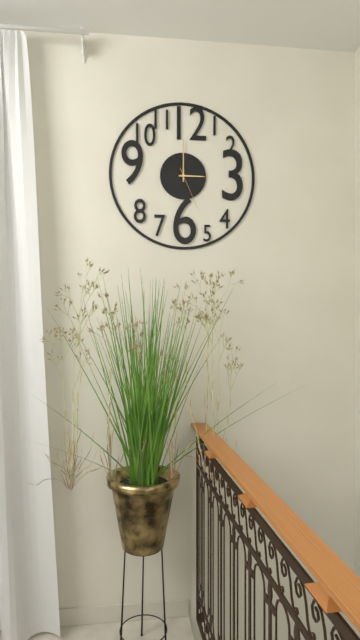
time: 3:00:26
